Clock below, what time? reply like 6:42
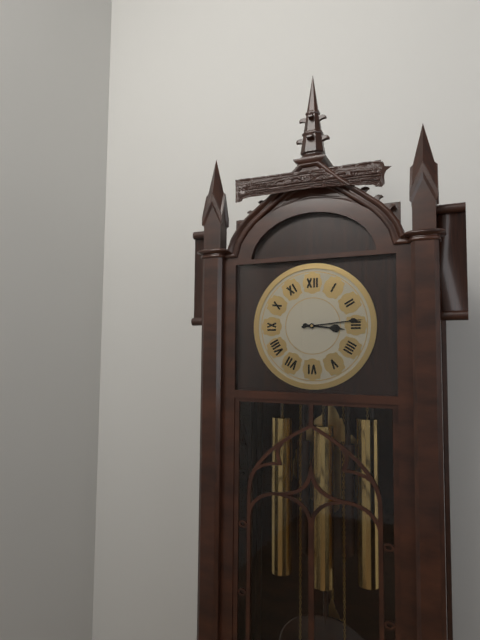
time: 3:14
